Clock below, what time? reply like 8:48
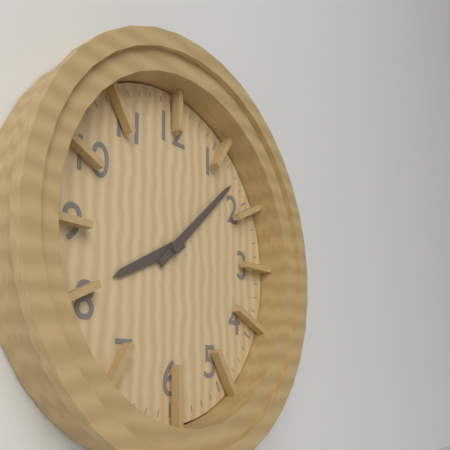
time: 8:08
